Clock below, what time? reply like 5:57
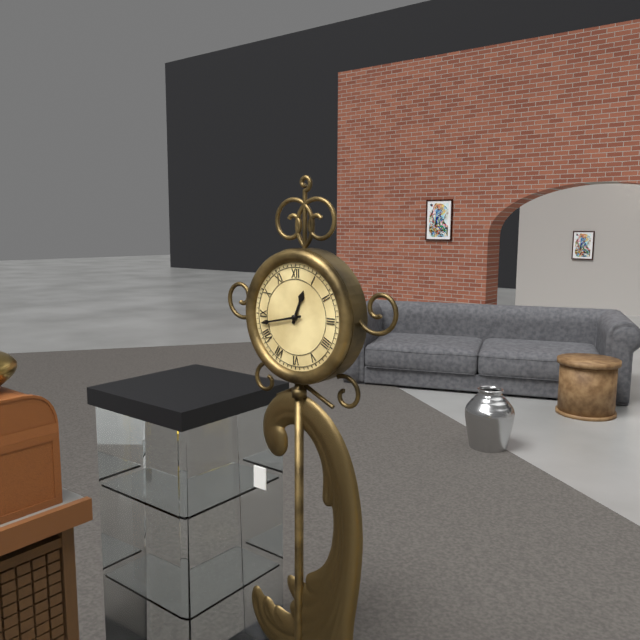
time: 12:43
